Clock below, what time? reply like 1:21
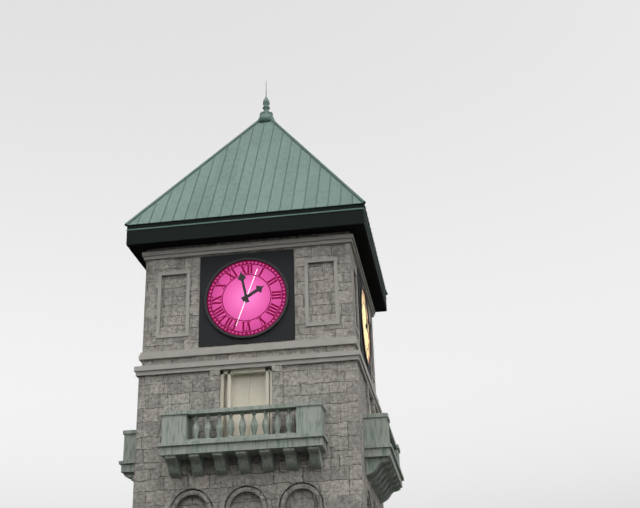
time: 1:58
